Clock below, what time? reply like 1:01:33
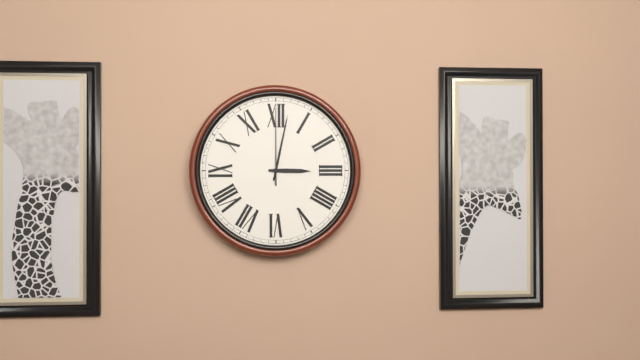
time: 3:02:00
